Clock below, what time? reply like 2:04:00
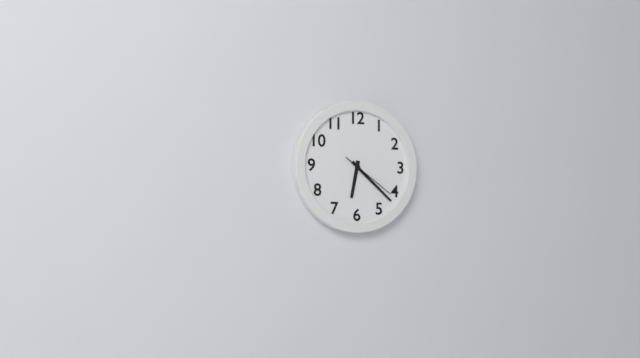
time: 6:22:21
